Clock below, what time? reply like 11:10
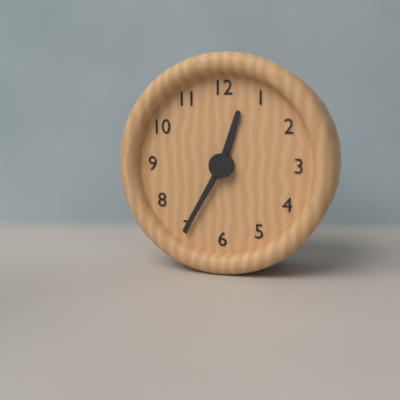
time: 12:35
